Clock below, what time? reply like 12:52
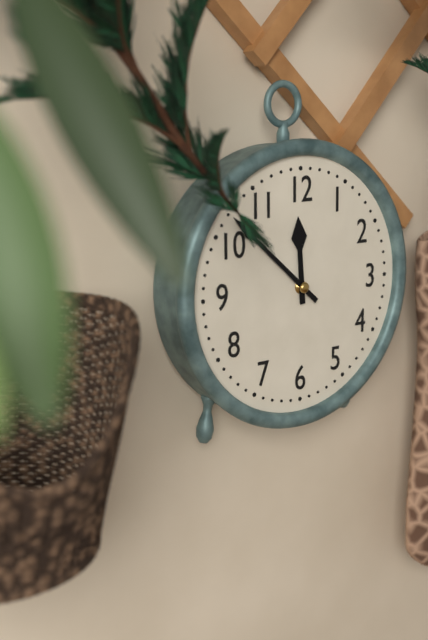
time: 11:52
